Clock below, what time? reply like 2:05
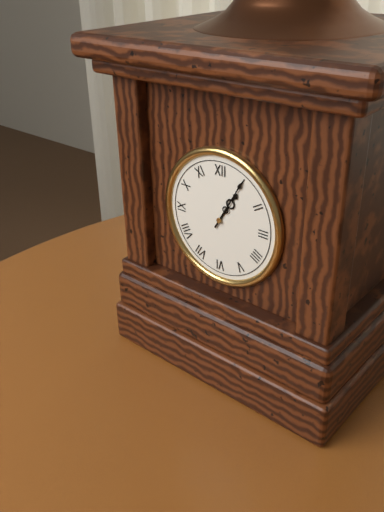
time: 1:05
